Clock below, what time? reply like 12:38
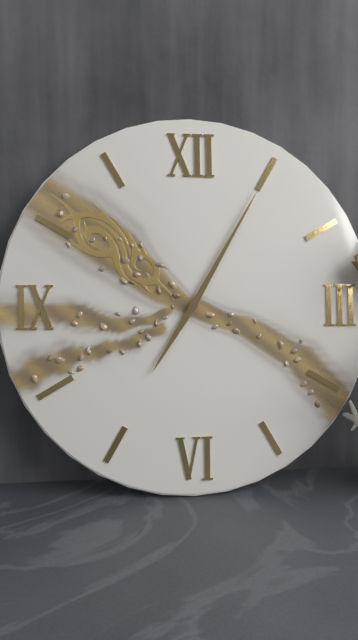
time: 7:05
